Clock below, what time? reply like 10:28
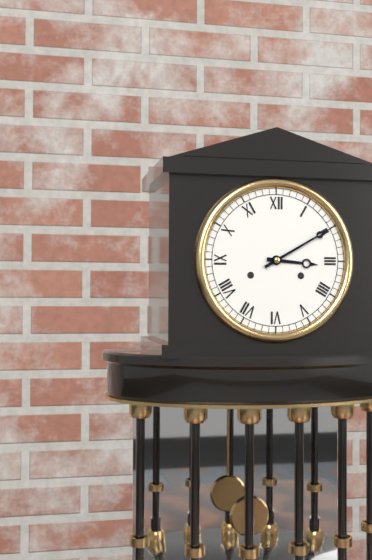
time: 3:10
